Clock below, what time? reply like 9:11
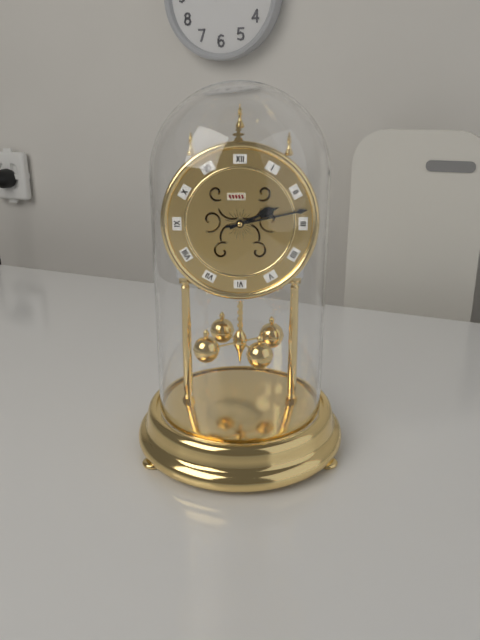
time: 2:13
